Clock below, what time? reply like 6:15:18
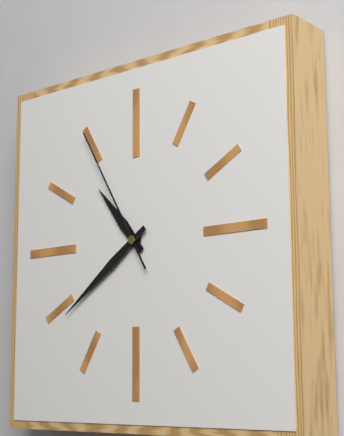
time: 10:39:55
